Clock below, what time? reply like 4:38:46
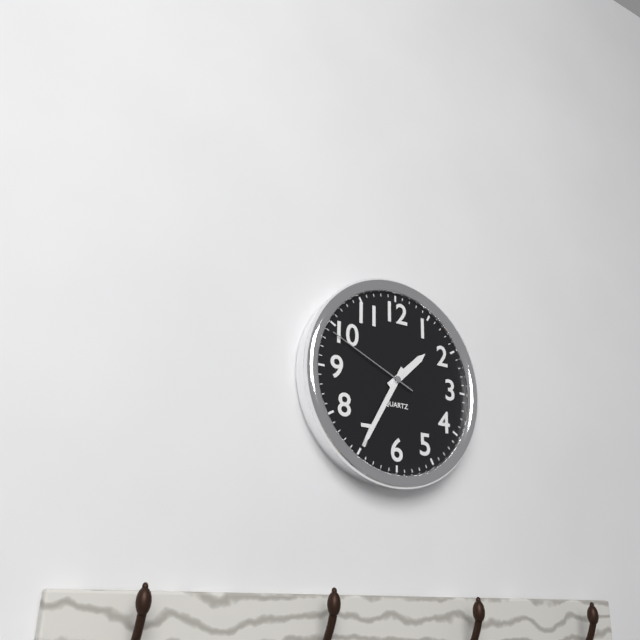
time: 1:35:49
